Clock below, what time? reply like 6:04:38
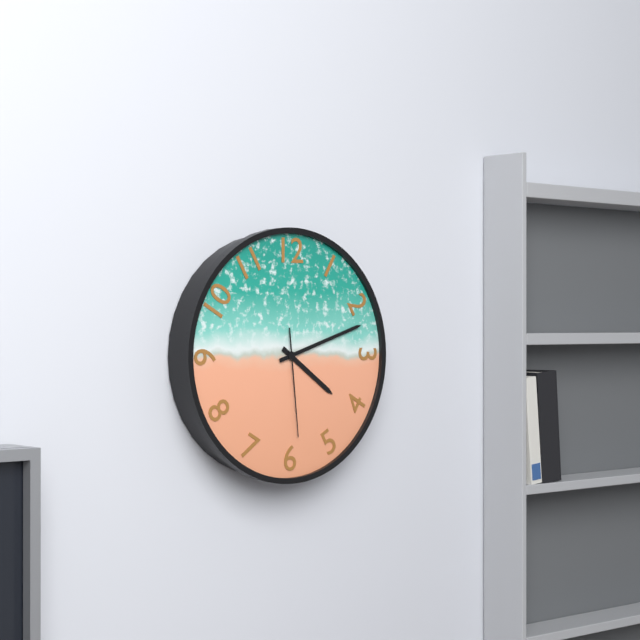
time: 4:12:29
